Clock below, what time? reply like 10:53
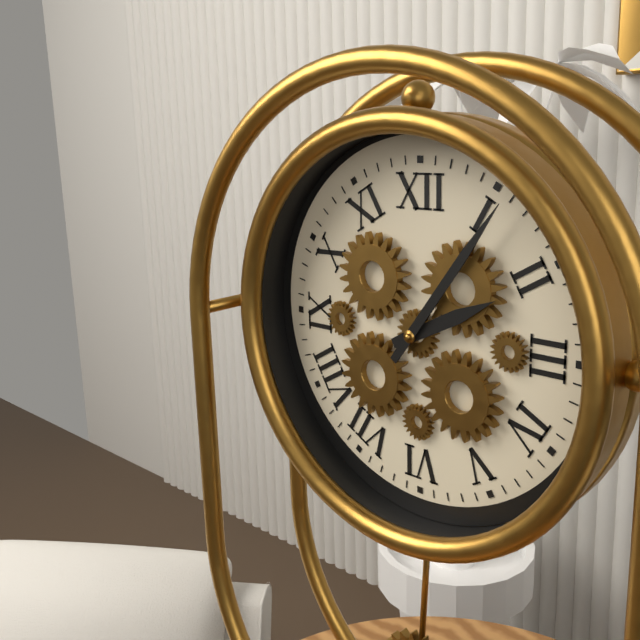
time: 2:06
